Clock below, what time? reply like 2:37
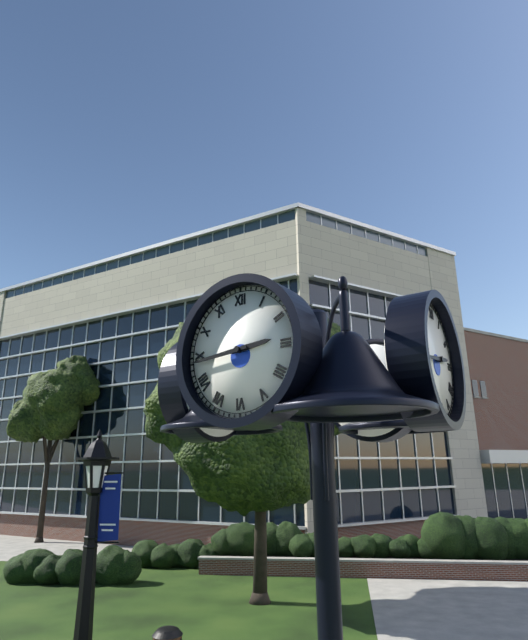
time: 2:44
